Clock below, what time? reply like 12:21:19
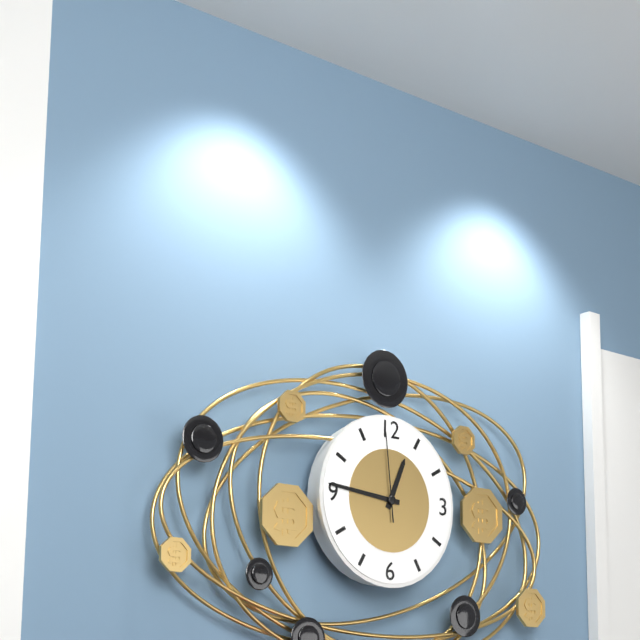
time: 12:46:59
